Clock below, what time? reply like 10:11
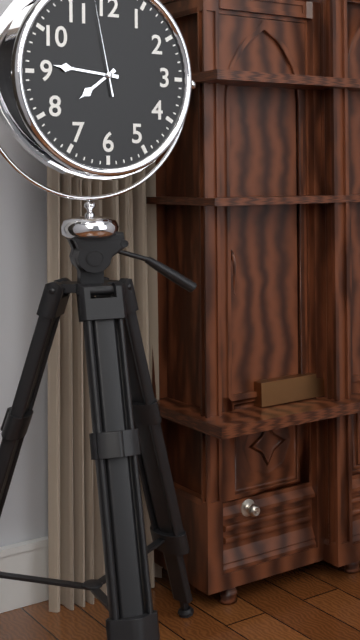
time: 7:46
